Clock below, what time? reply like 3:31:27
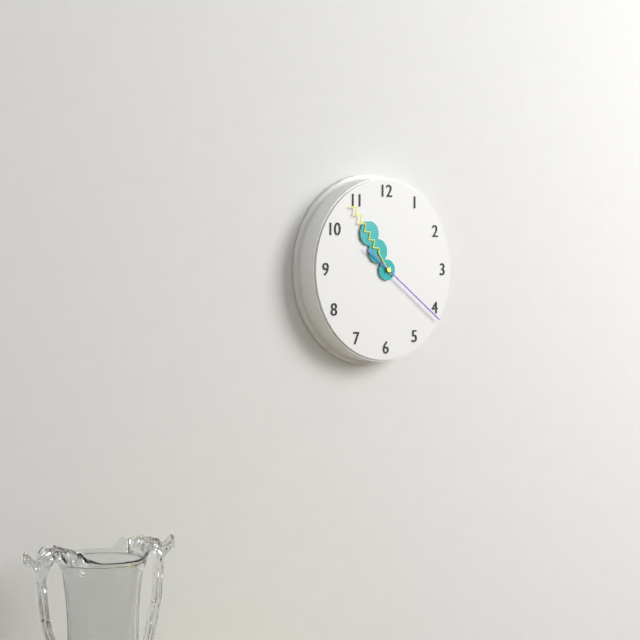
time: 10:54:21
